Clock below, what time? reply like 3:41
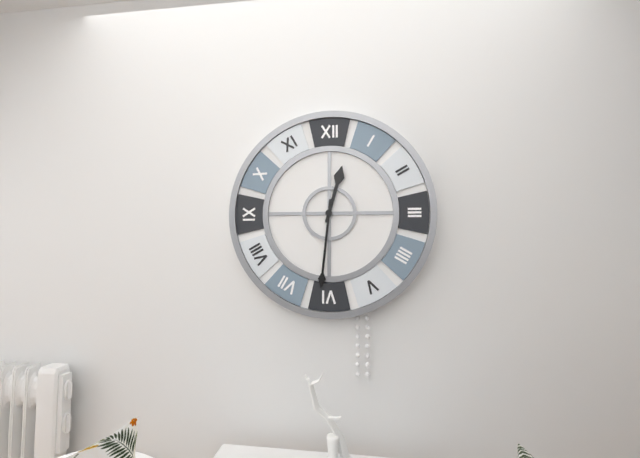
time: 12:31
